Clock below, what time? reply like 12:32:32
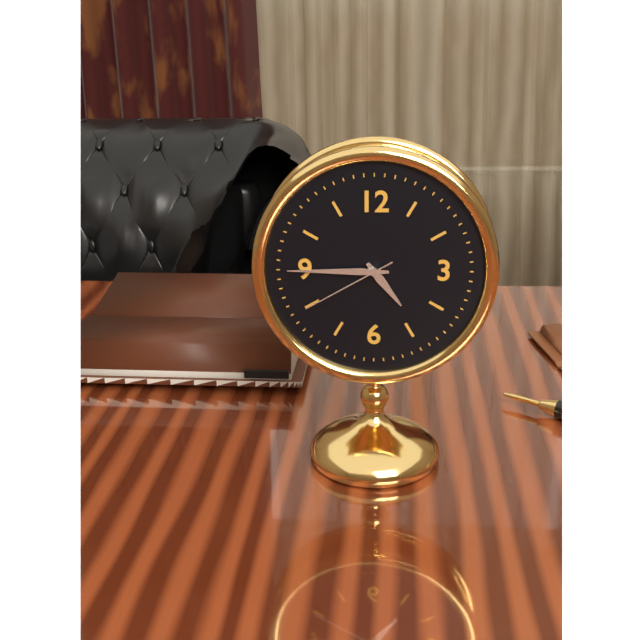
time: 4:45:40
